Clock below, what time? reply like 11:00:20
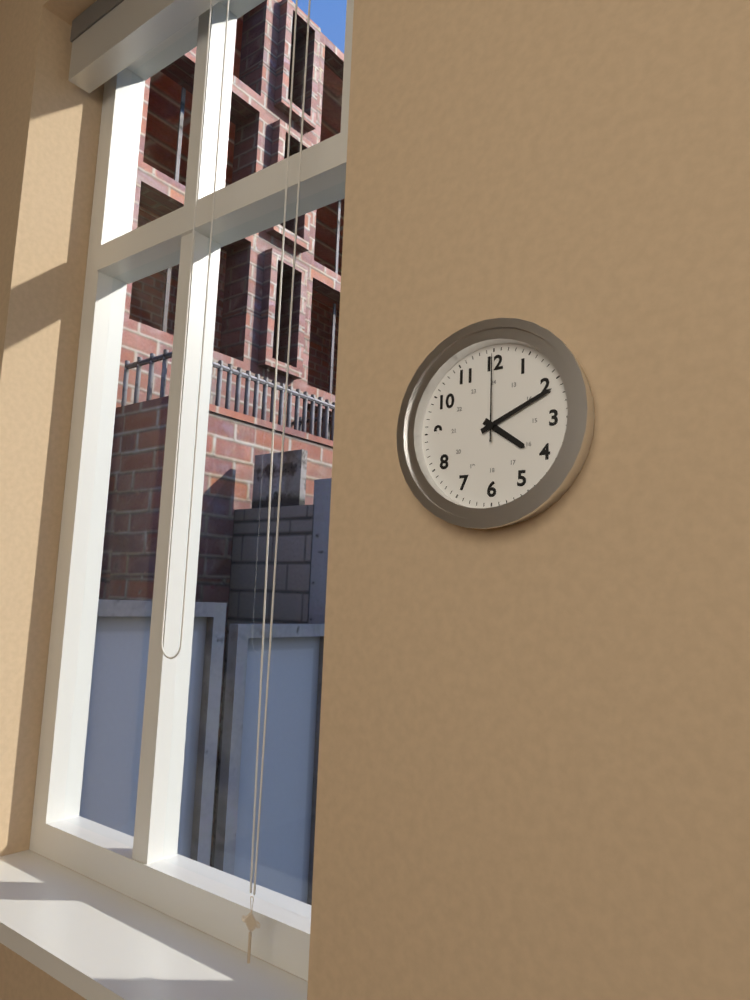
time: 4:11:00
